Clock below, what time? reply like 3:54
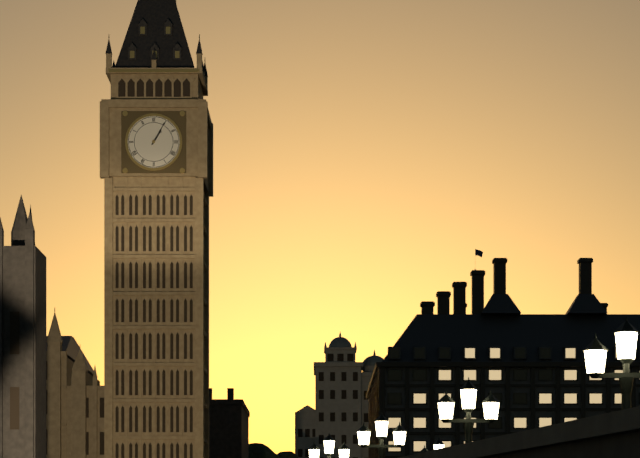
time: 1:05
